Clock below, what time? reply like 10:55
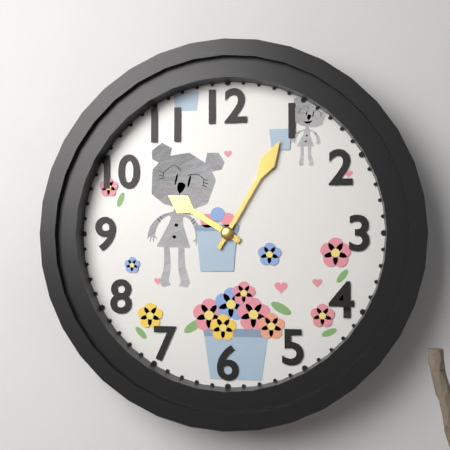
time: 10:05
